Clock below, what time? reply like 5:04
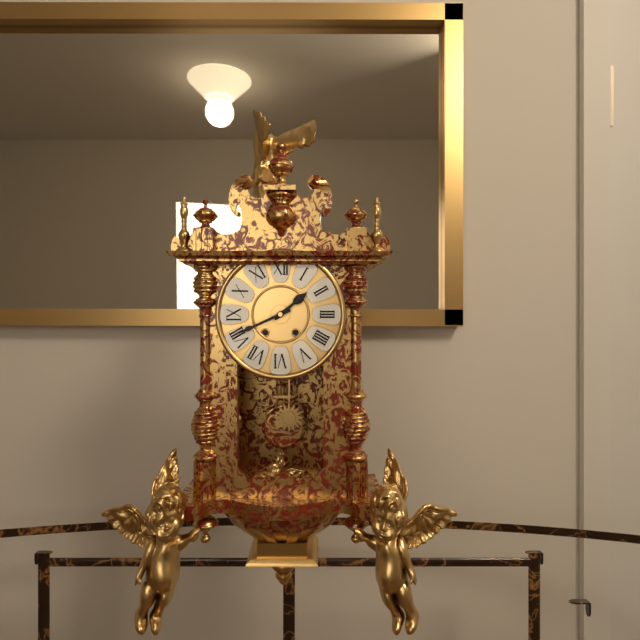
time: 1:41
